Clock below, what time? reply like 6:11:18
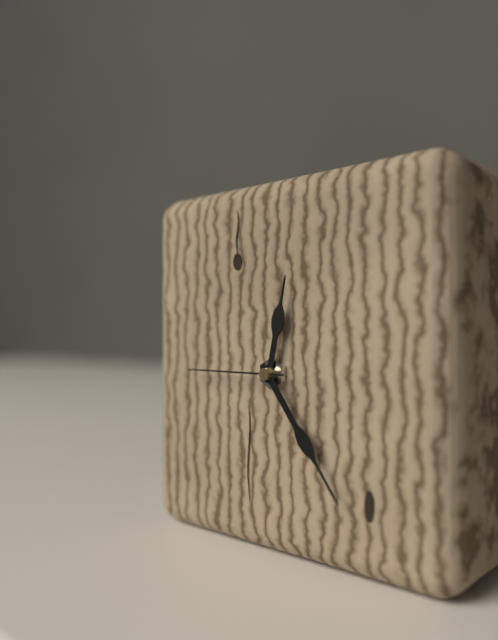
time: 12:24:45
